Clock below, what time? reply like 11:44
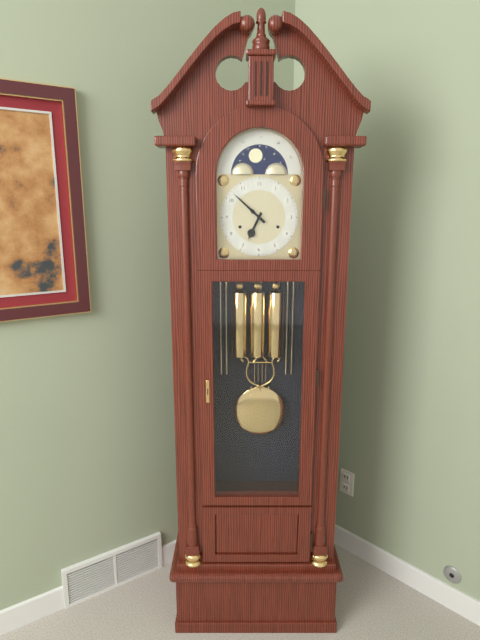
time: 6:52
